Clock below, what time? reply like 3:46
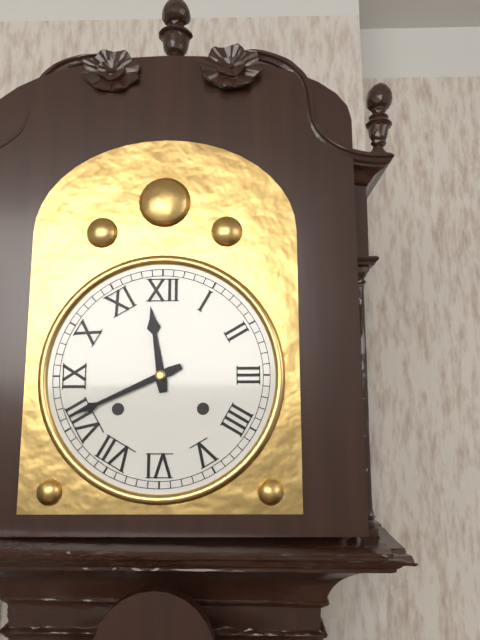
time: 11:41
